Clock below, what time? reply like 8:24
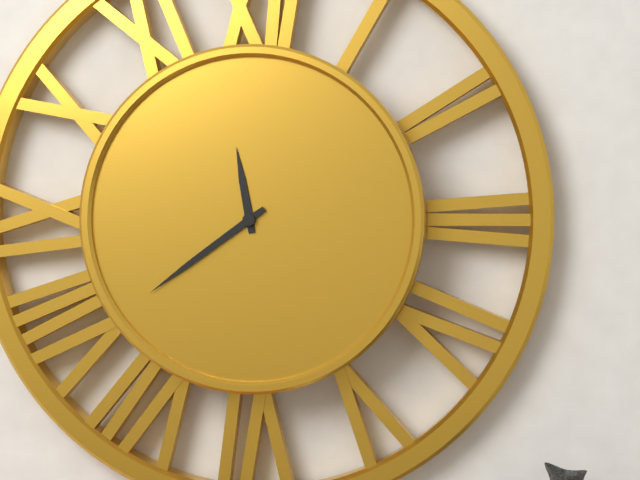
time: 11:39
